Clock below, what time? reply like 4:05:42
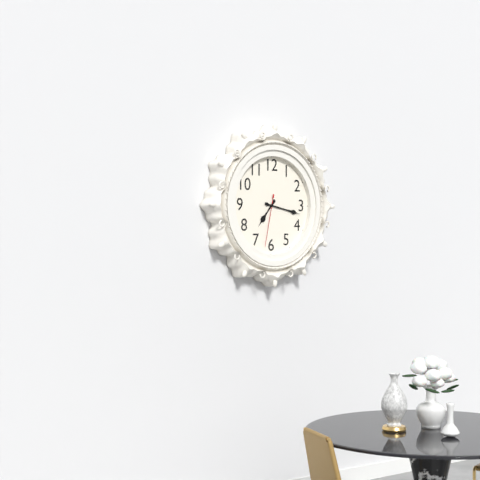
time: 7:17:32
